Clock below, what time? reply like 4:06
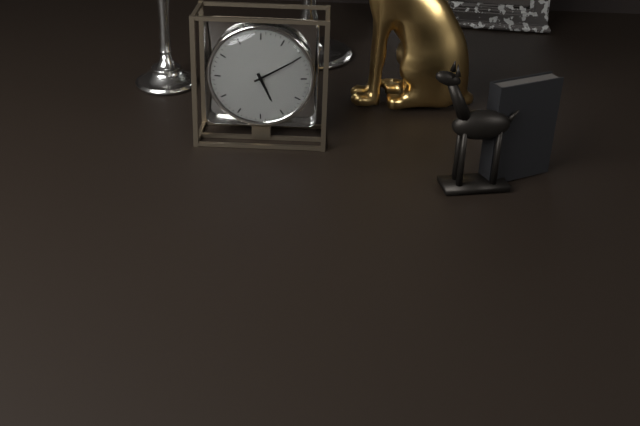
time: 5:10
